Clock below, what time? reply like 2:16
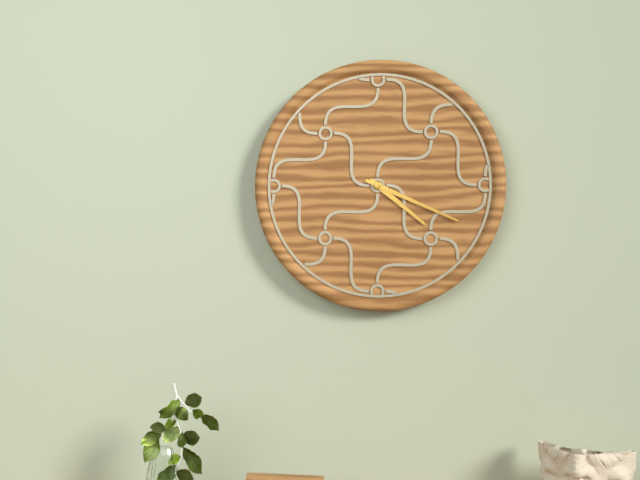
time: 4:19
